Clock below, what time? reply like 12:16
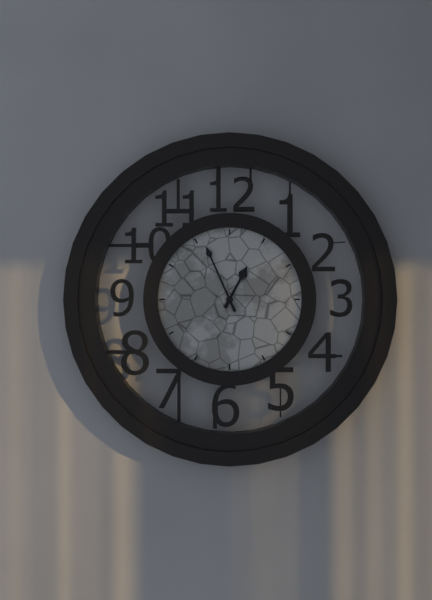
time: 12:56
